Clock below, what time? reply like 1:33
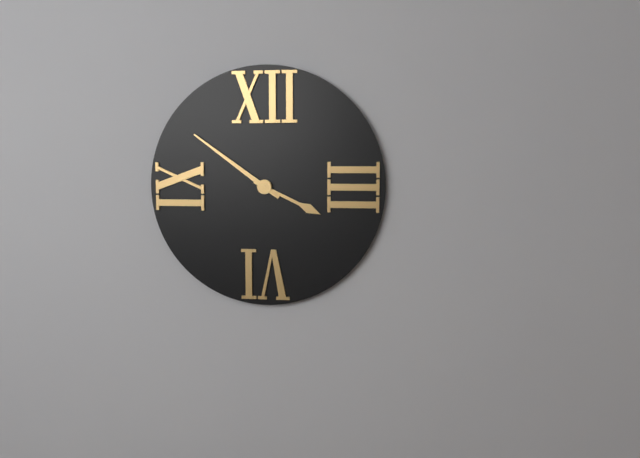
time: 3:51
